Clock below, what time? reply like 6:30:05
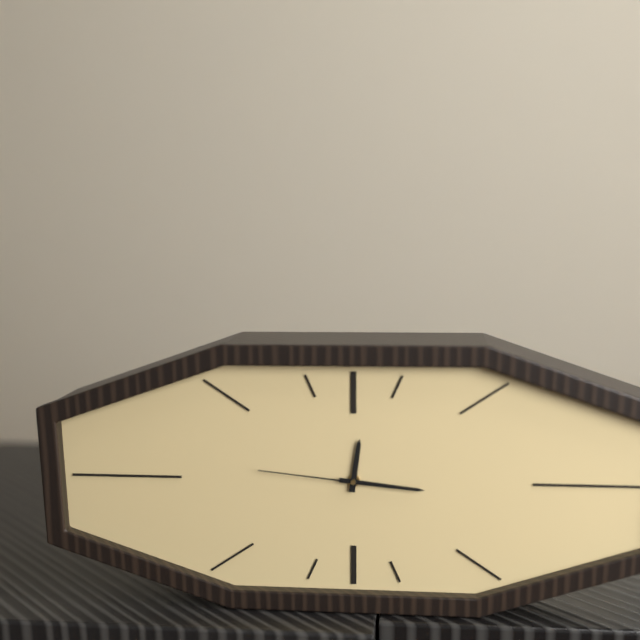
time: 12:16:46
